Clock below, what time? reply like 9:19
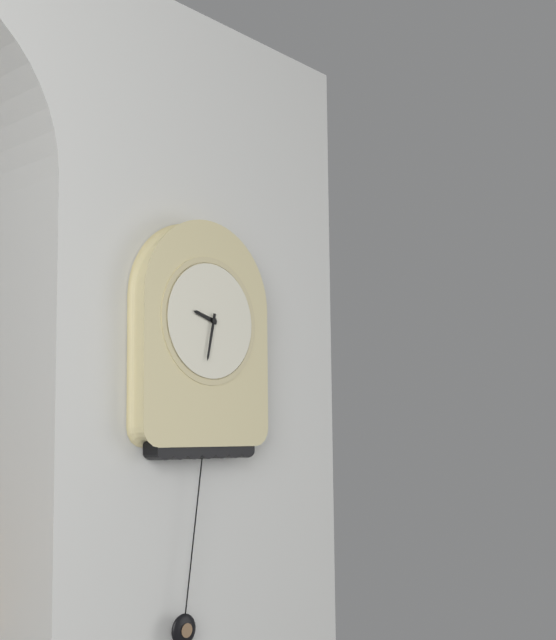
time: 9:32
